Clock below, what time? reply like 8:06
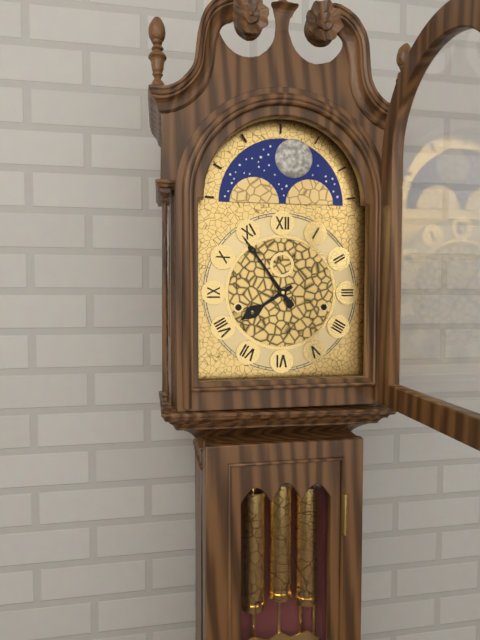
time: 7:54
